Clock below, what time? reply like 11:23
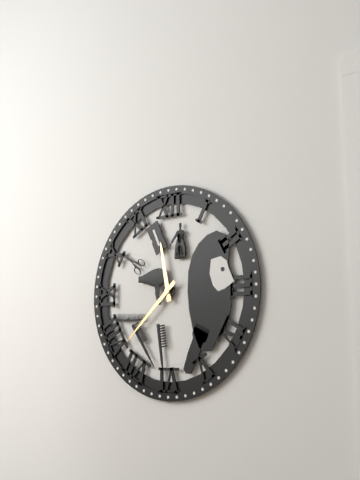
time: 11:38
